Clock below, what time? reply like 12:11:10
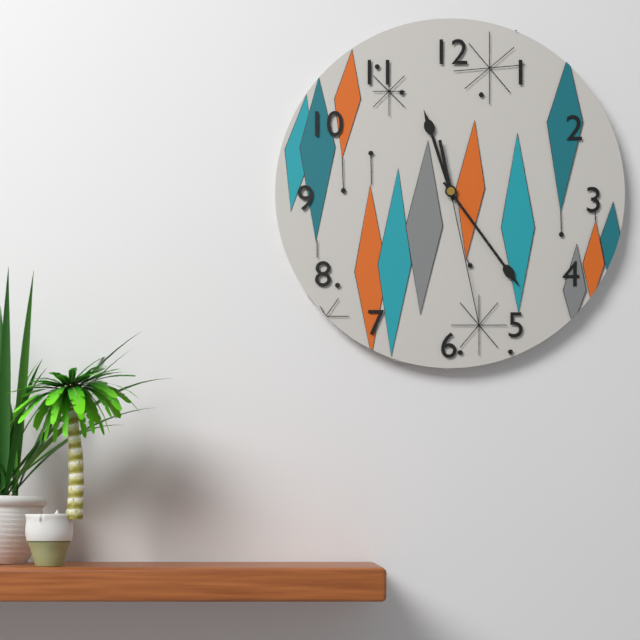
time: 11:24:28
